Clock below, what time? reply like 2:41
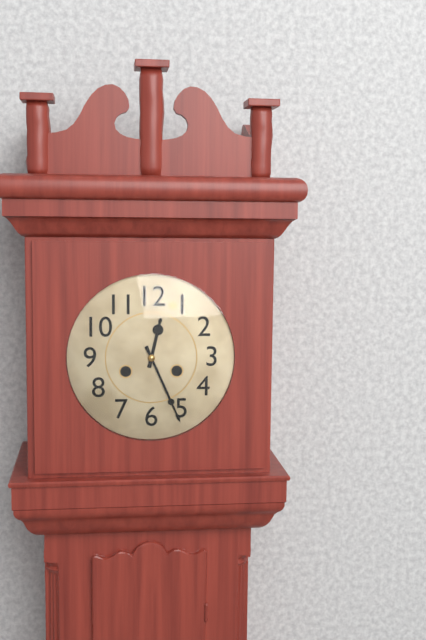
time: 12:26
